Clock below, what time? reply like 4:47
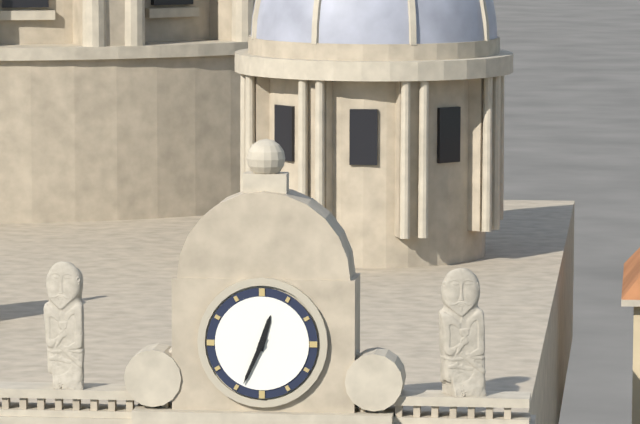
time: 12:34
